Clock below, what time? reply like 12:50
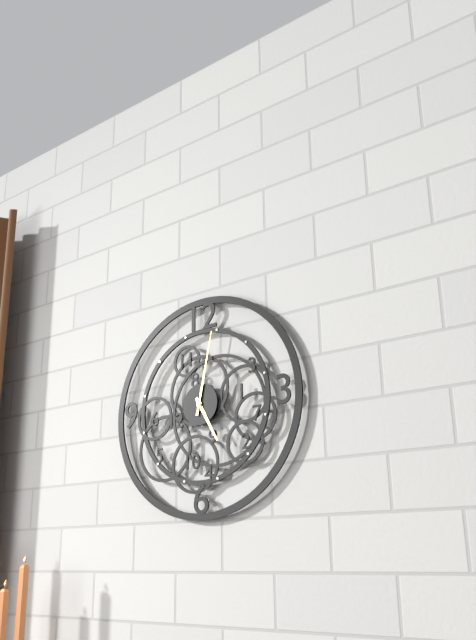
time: 5:02
